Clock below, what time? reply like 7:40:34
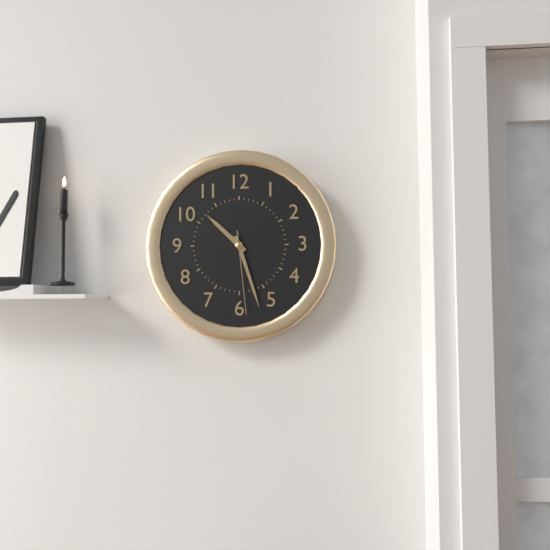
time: 10:27:29
